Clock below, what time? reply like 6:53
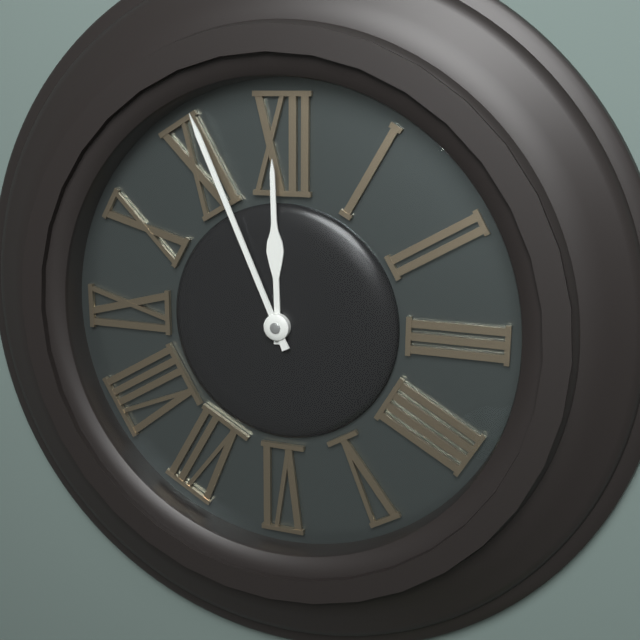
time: 11:56
